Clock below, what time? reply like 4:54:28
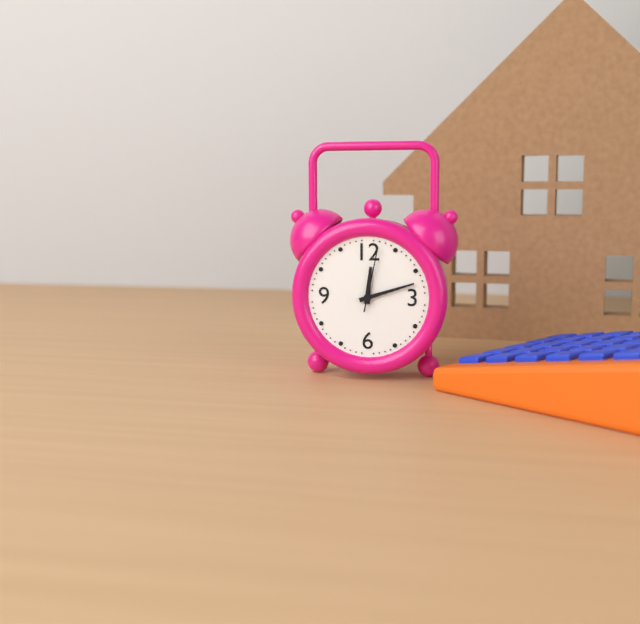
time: 12:12:02
